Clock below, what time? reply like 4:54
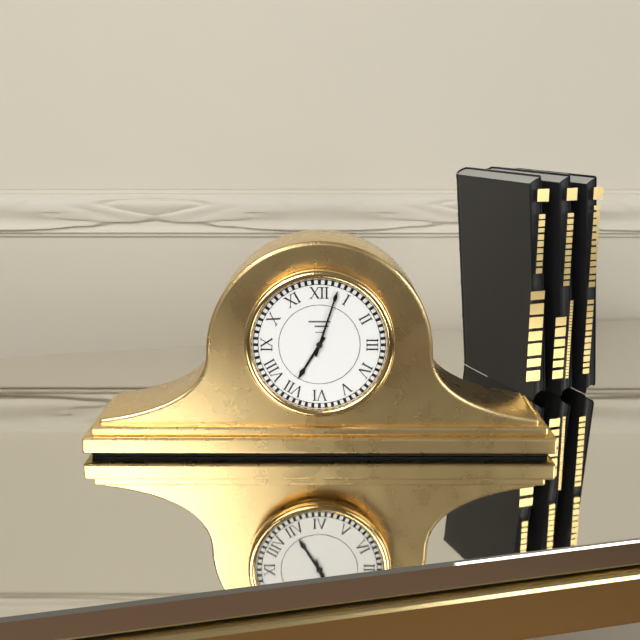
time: 7:03
